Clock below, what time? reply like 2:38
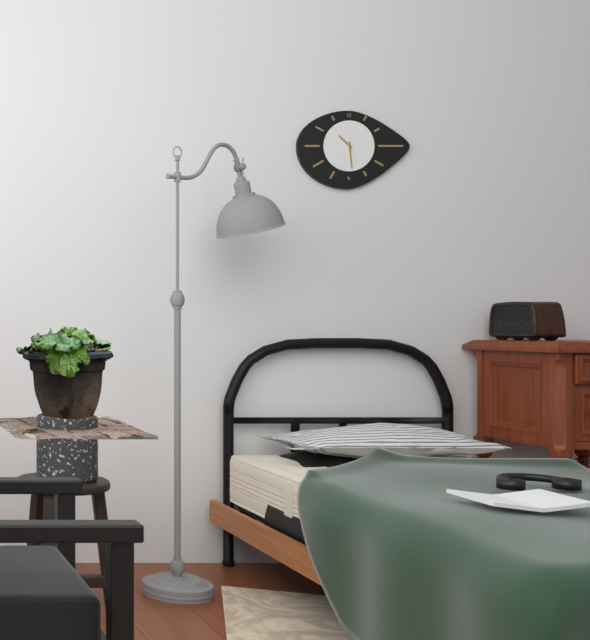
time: 10:29
